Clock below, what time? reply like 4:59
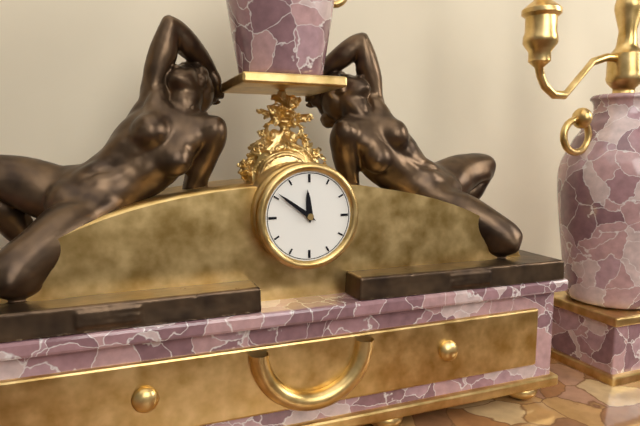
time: 11:51
